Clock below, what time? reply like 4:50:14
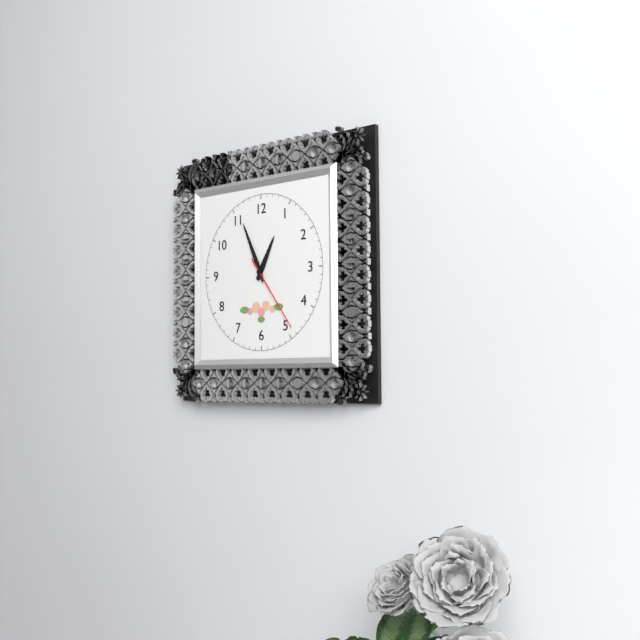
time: 12:56:24
